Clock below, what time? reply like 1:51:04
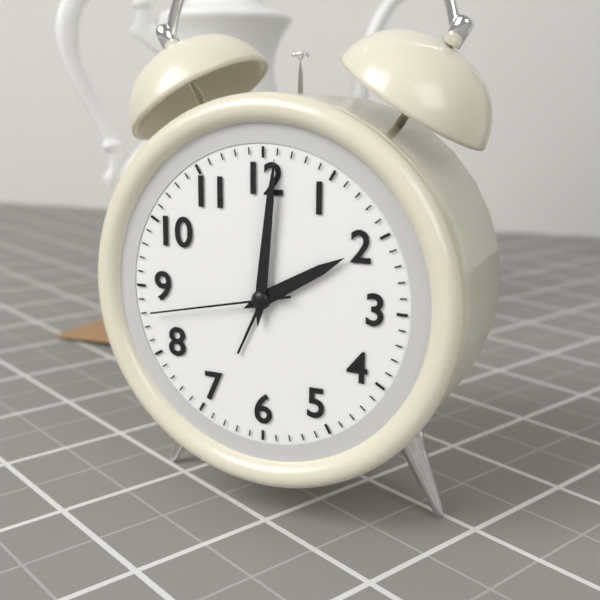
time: 2:01:43
